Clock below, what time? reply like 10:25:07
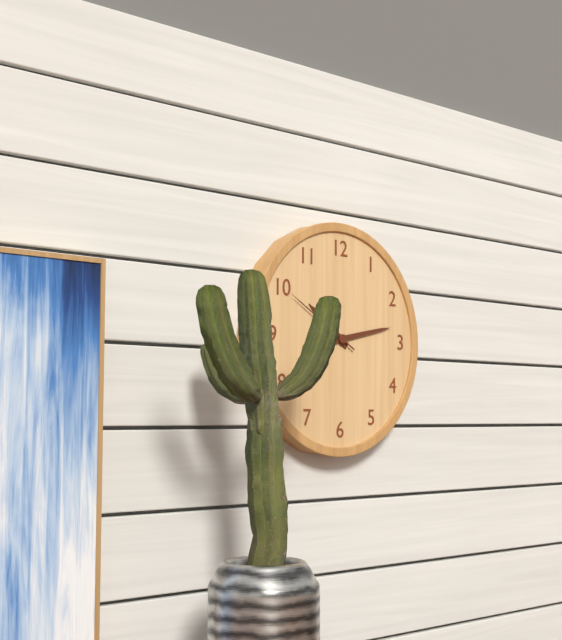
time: 10:13:50
